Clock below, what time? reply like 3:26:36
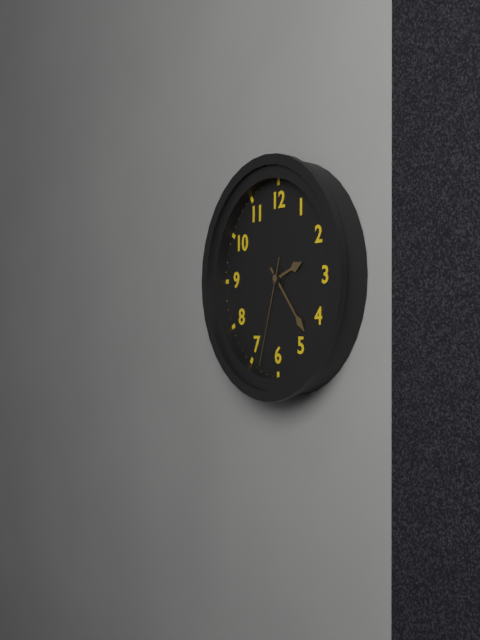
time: 2:23:33
